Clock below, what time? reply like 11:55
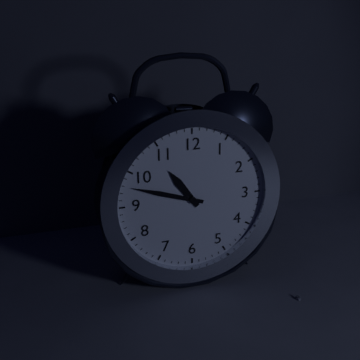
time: 10:48
